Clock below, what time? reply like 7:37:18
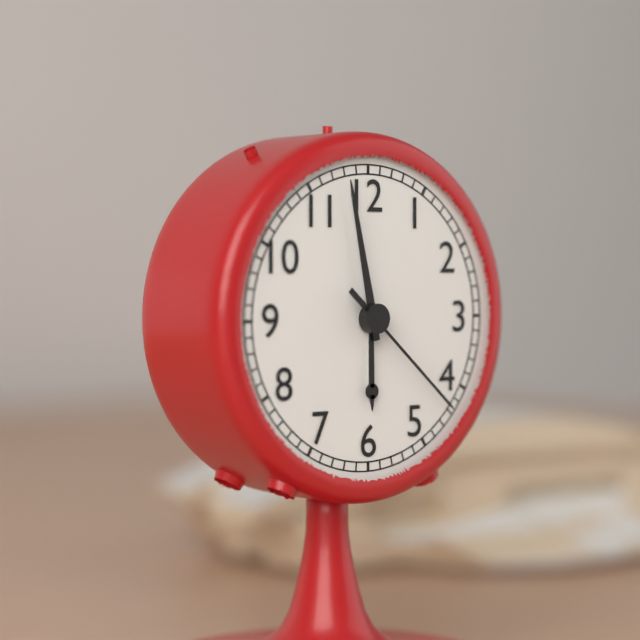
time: 5:58:22
